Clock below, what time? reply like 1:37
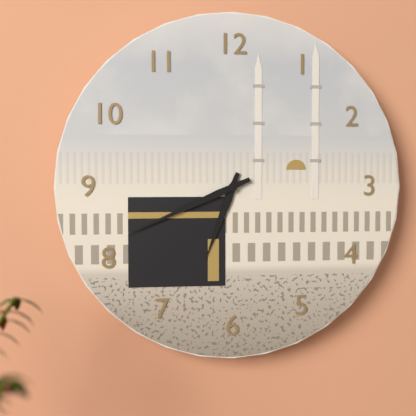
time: 6:41
